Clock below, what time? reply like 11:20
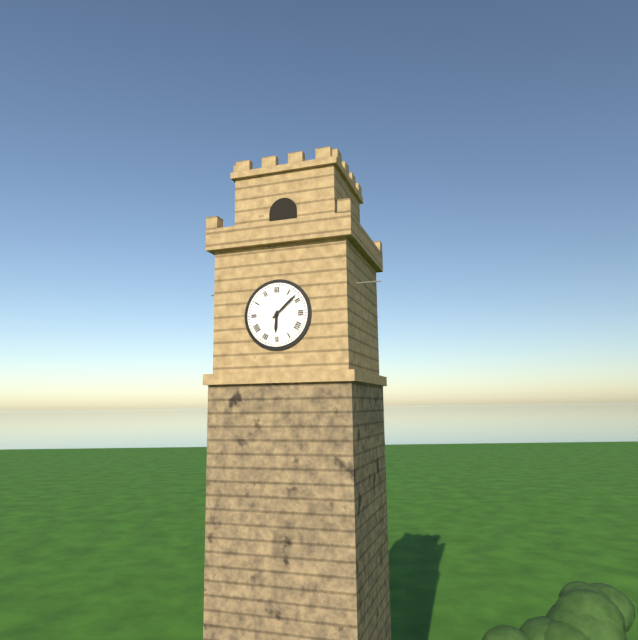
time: 6:08
